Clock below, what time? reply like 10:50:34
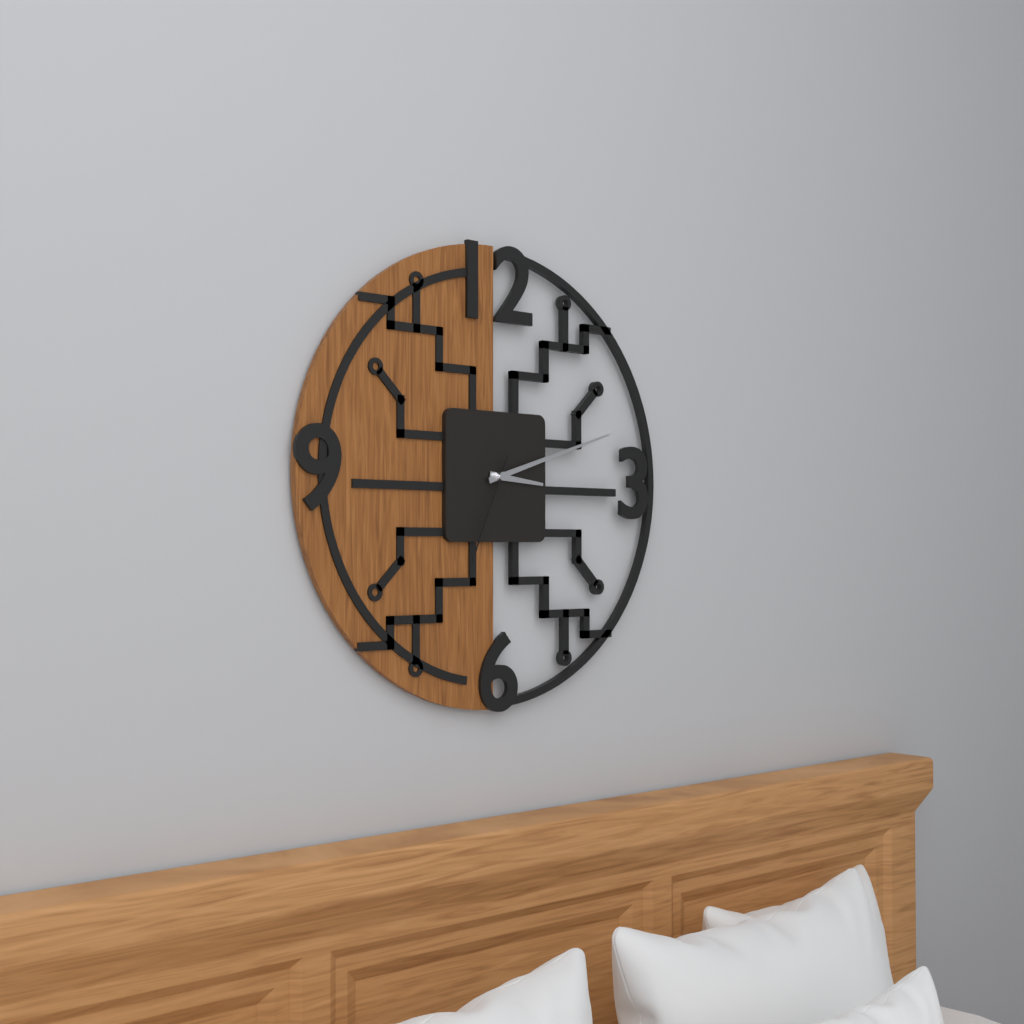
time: 3:12:34
